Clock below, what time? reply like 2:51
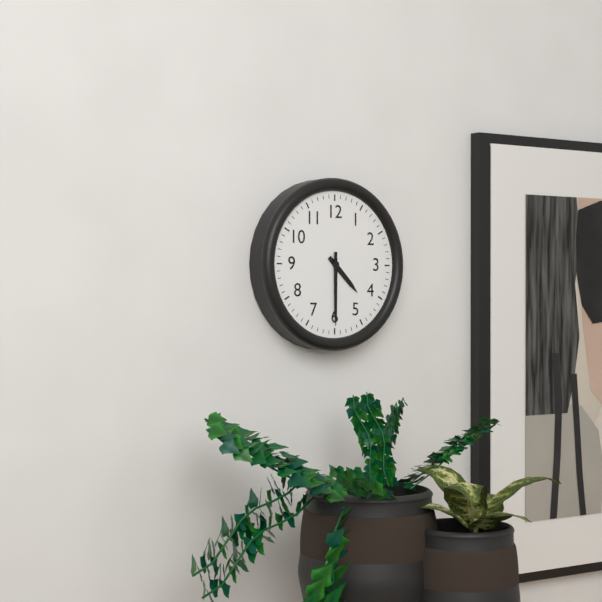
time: 4:30
